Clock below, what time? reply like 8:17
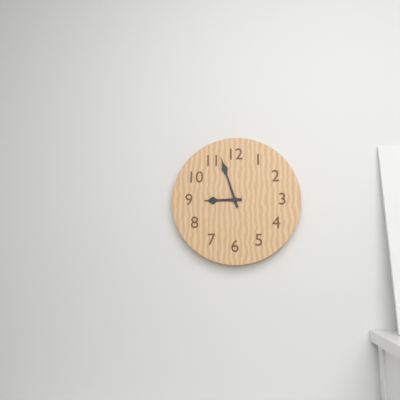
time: 8:57
